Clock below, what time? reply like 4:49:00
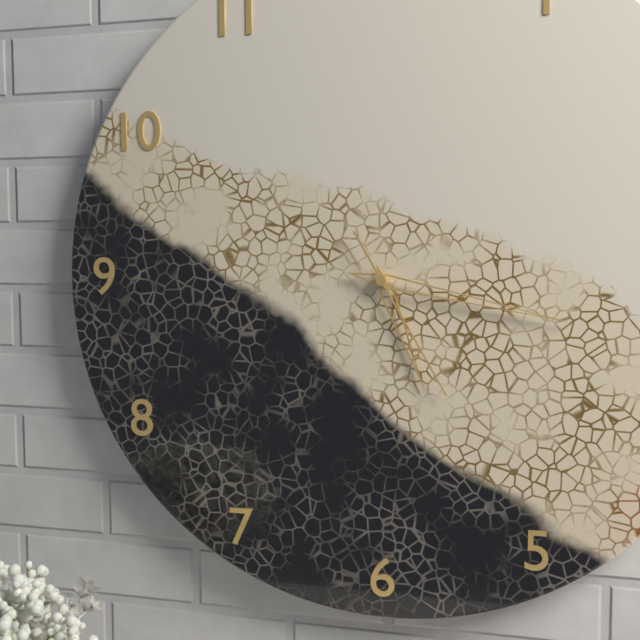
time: 5:17:25
